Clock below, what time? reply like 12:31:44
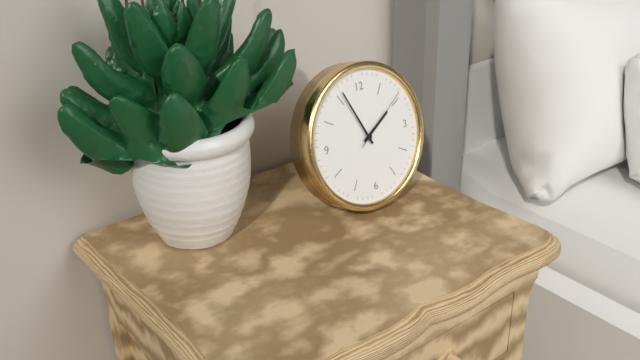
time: 1:56:09
